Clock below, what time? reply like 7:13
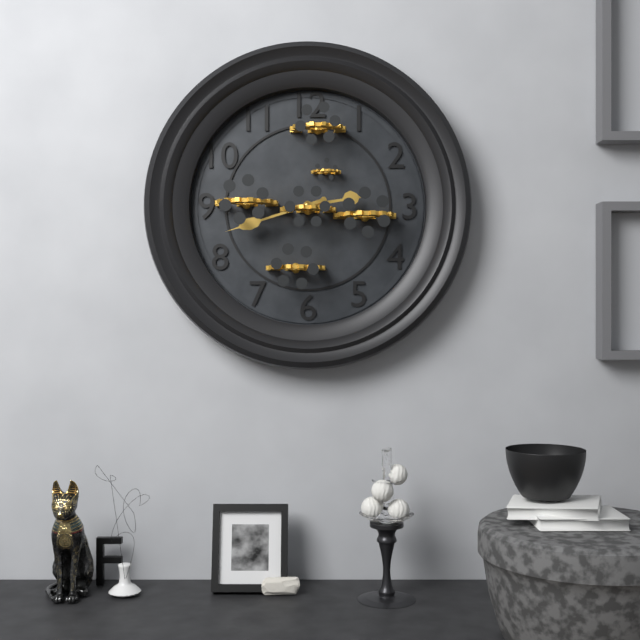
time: 2:42
